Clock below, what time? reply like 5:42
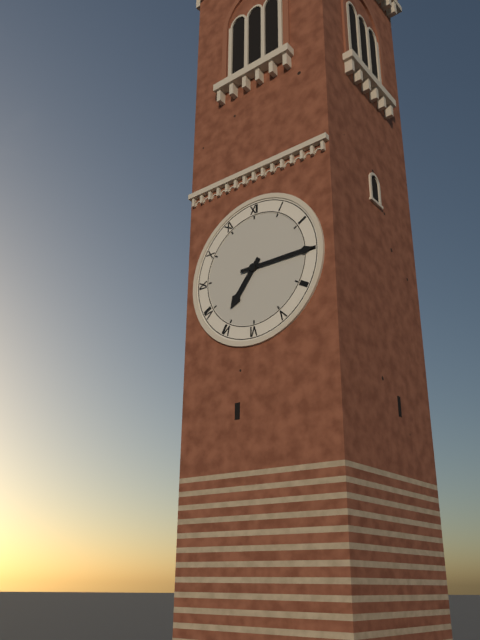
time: 7:15
